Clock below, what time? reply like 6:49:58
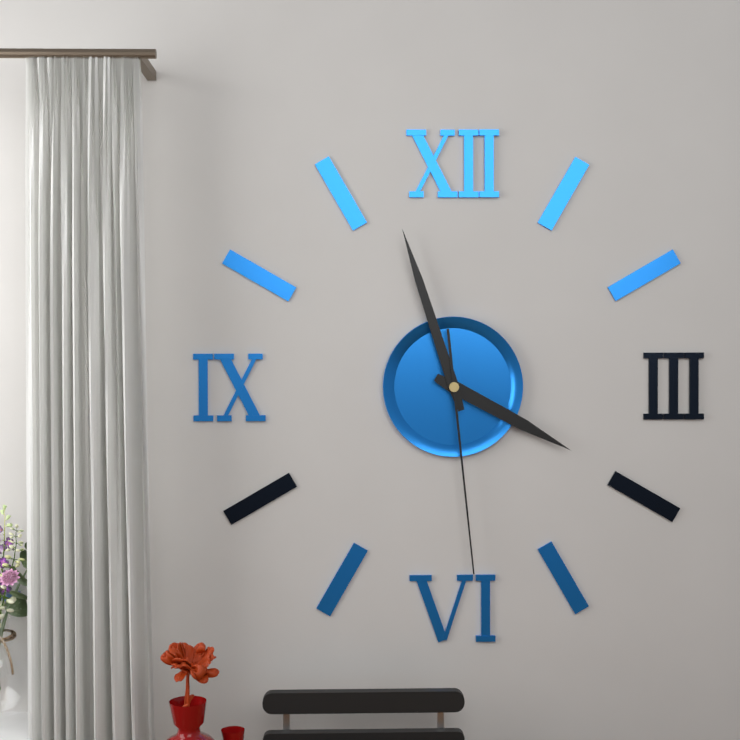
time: 3:57:29
